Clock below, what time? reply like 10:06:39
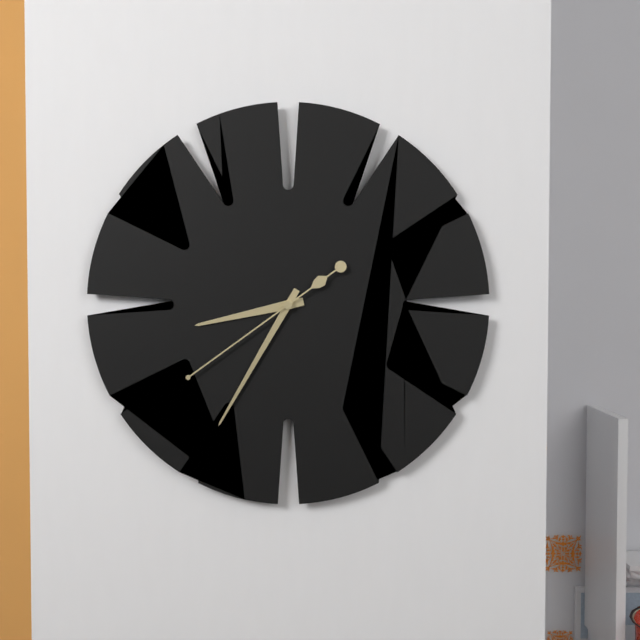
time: 8:35:39
